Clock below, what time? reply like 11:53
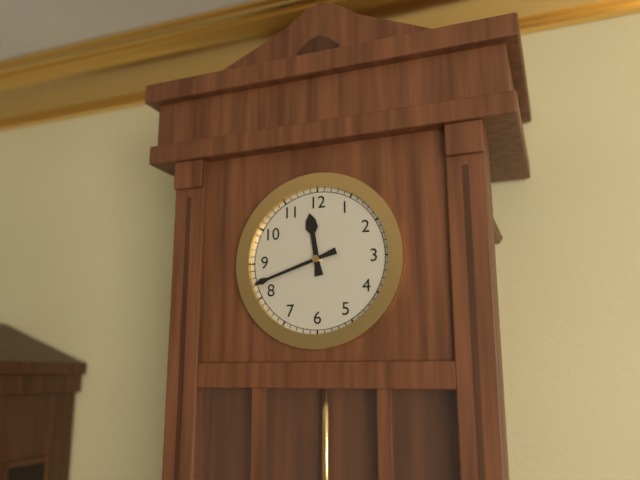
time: 11:42
